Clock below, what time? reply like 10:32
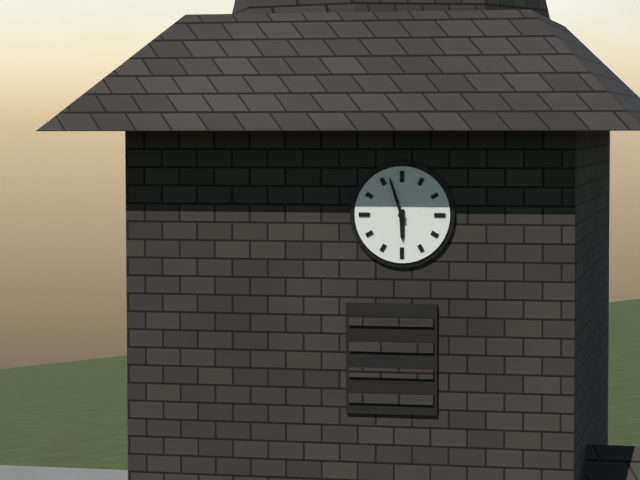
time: 5:57
